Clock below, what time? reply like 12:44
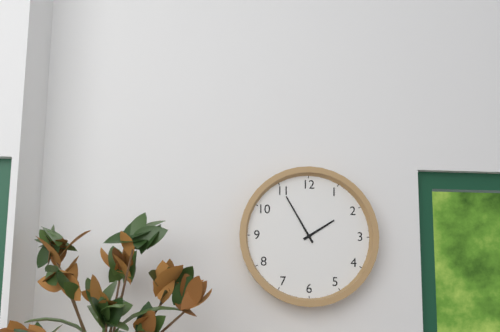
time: 1:55
